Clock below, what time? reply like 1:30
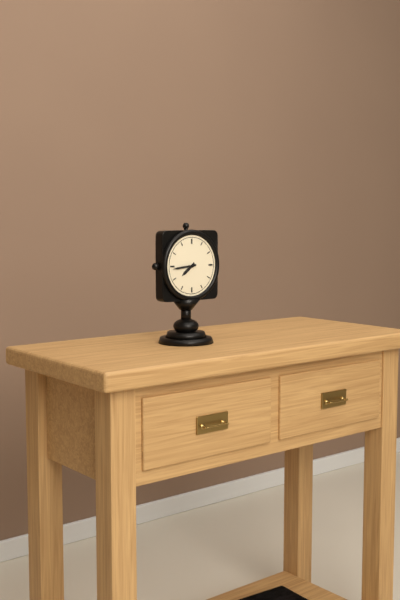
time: 7:44
